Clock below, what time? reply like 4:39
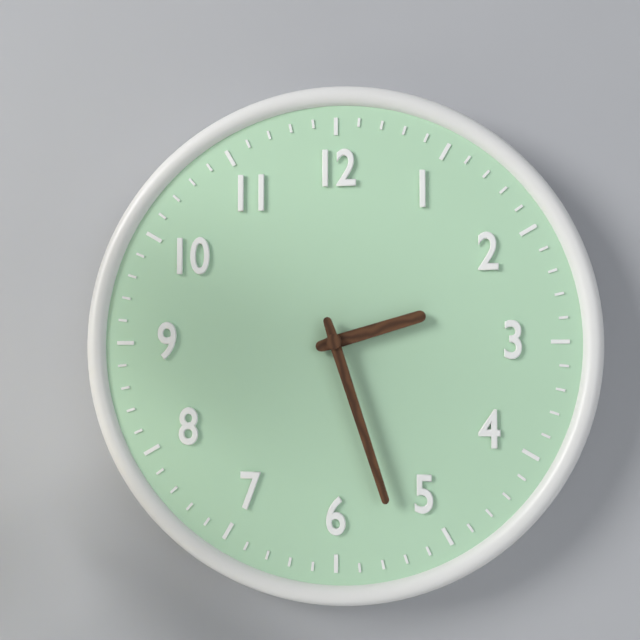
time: 2:27
